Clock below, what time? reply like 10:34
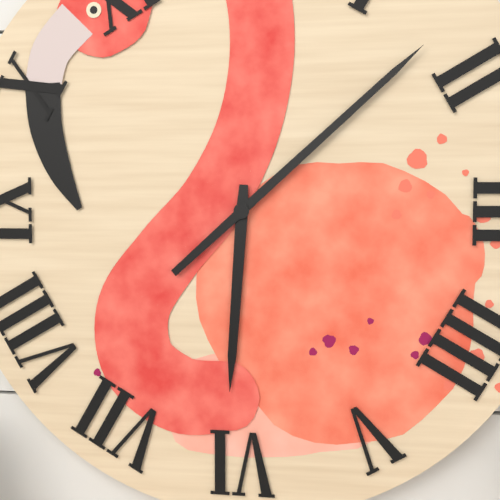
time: 6:08
